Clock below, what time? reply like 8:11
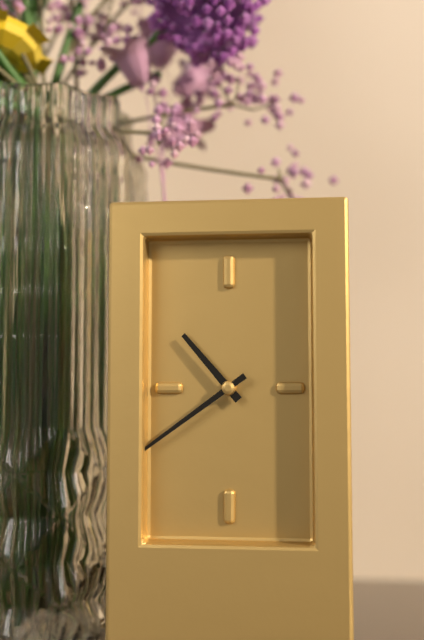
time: 10:39
